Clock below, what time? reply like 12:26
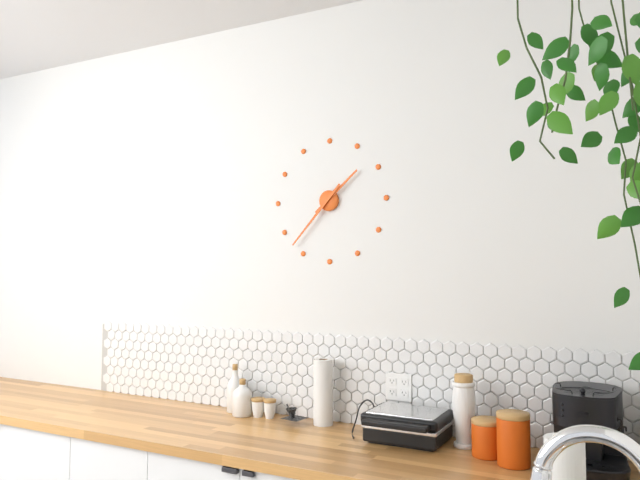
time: 1:37
